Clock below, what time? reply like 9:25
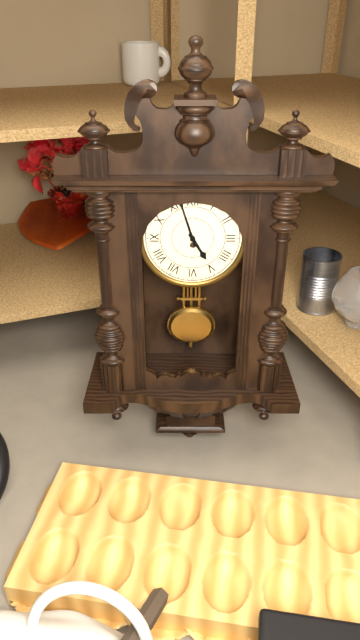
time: 4:57
